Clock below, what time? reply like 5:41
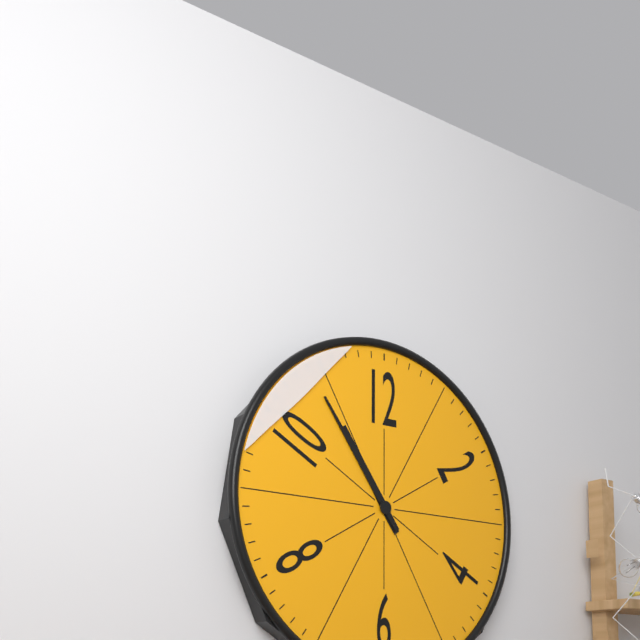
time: 10:54
